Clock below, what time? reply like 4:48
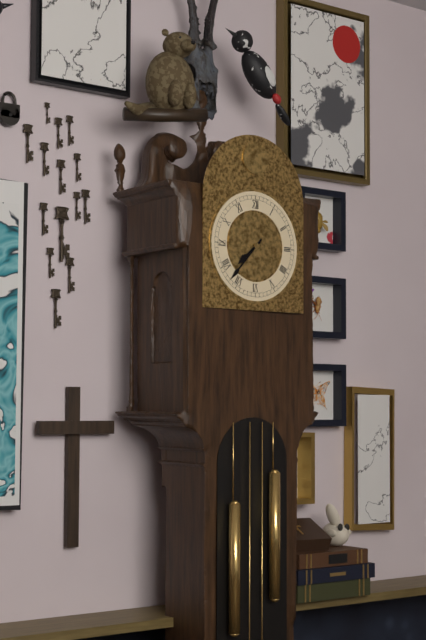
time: 7:37
